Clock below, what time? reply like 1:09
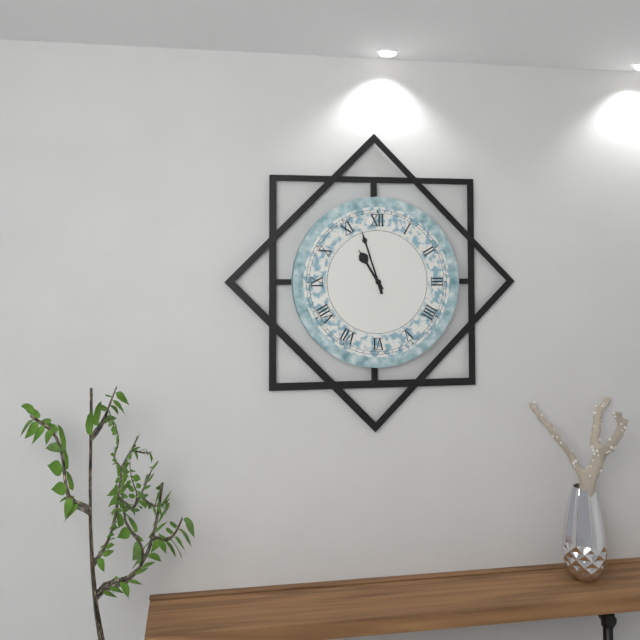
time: 10:57
